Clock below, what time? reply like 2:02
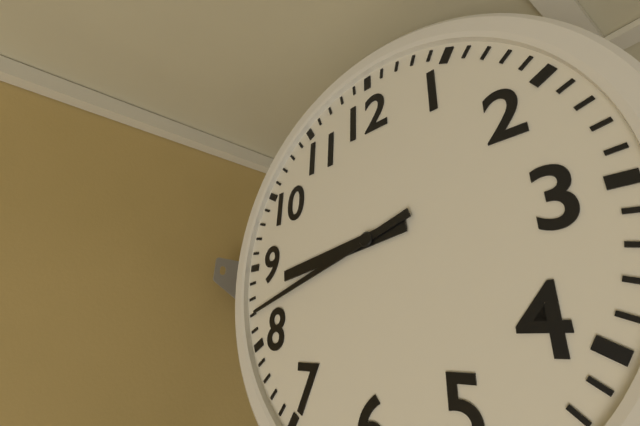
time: 8:42
